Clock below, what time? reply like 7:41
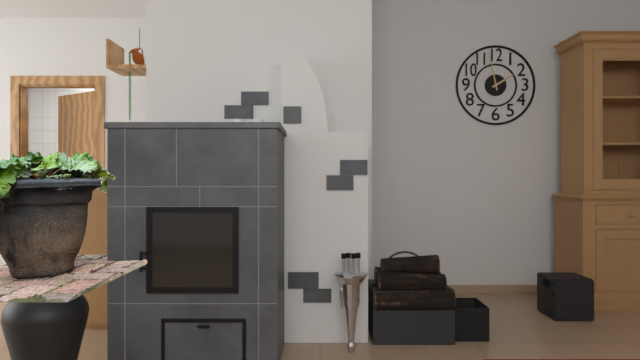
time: 1:58
